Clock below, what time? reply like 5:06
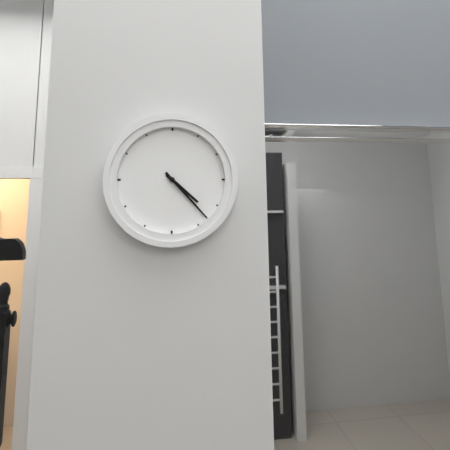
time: 4:23
